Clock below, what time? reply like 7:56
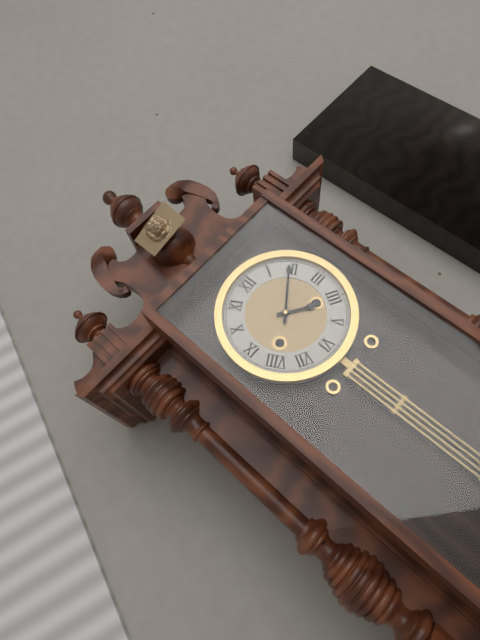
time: 4:09
